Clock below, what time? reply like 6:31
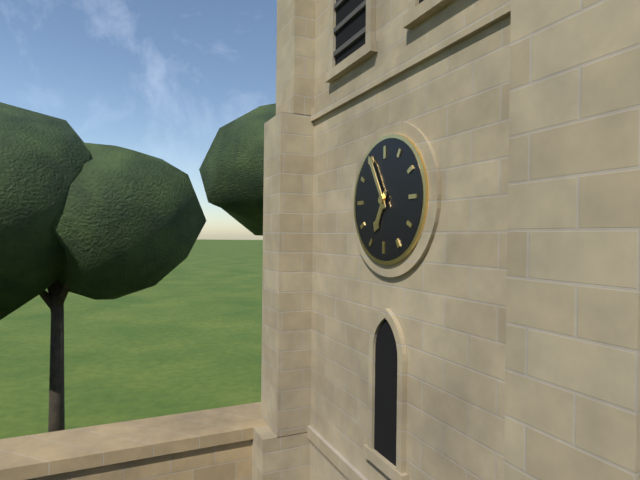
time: 6:55
